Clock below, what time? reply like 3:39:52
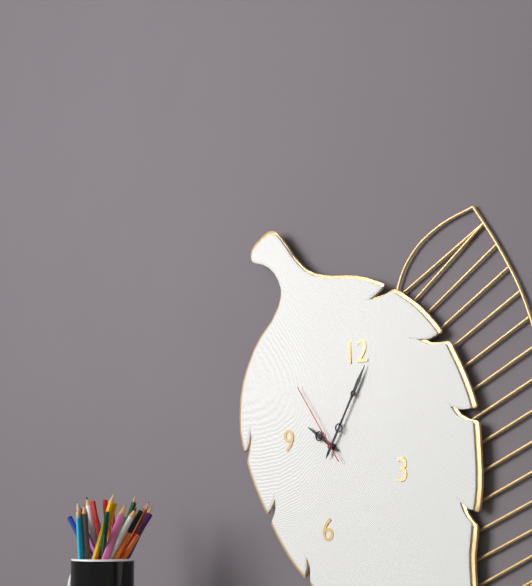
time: 10:05:54
